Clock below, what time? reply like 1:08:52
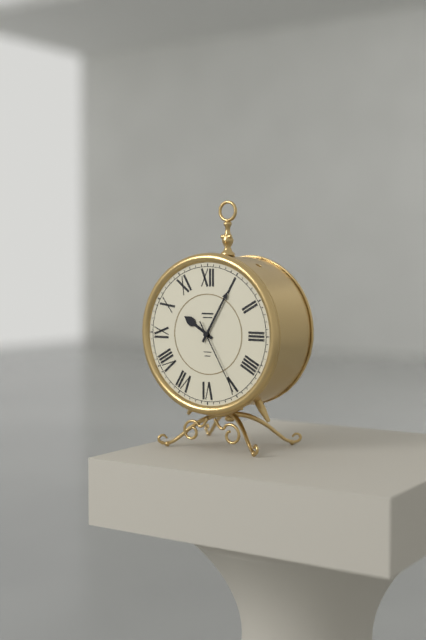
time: 10:05:25
